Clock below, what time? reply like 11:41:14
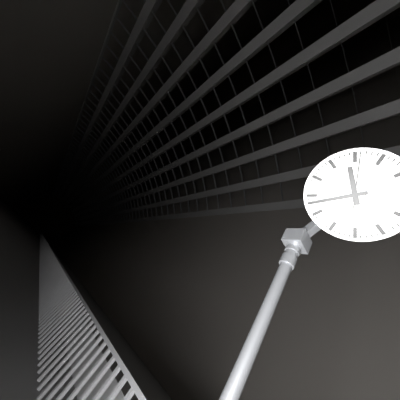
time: 11:43:01
